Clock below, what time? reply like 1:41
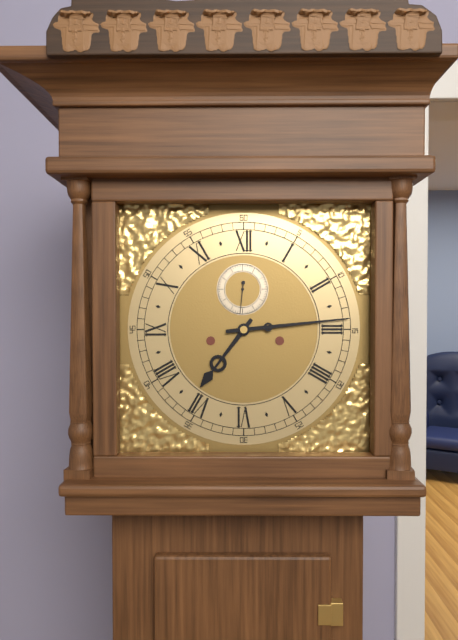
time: 7:14
